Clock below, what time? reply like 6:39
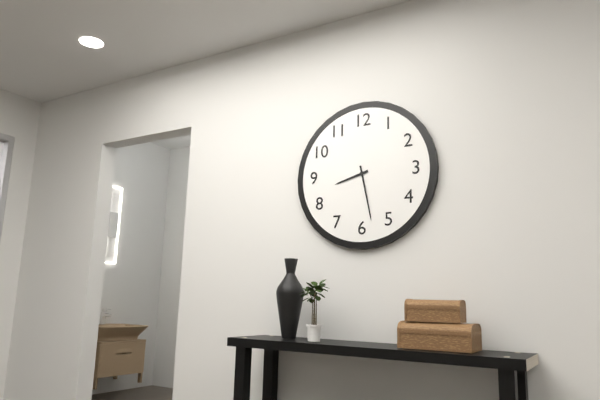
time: 8:28
